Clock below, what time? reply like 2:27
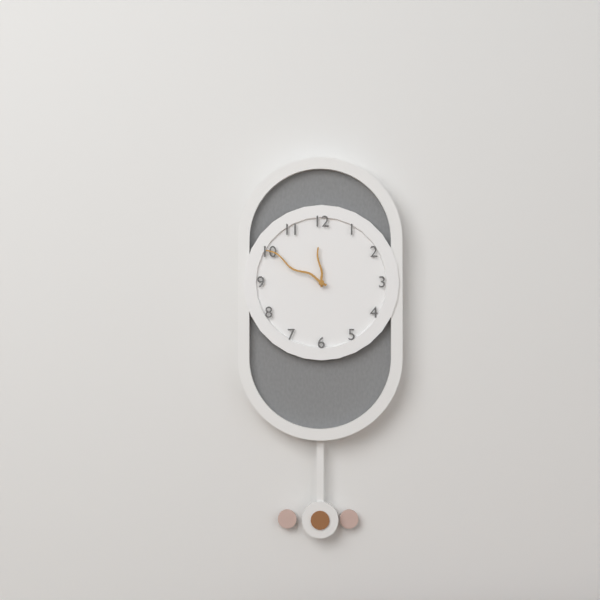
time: 11:50
